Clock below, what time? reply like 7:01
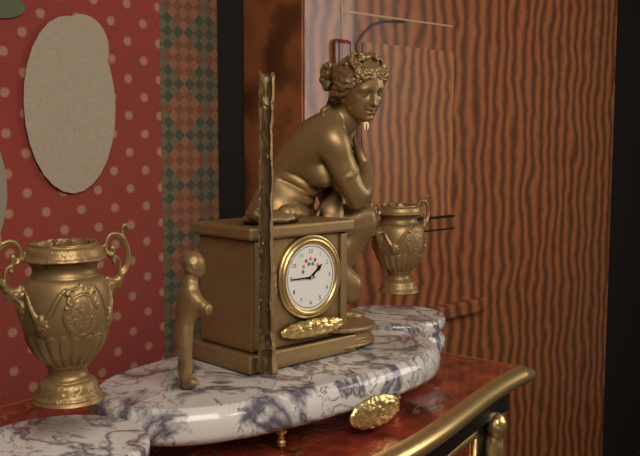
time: 1:45
